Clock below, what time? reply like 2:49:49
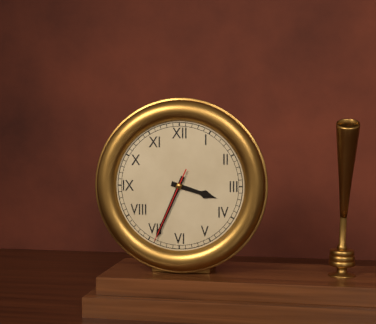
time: 3:34:34
